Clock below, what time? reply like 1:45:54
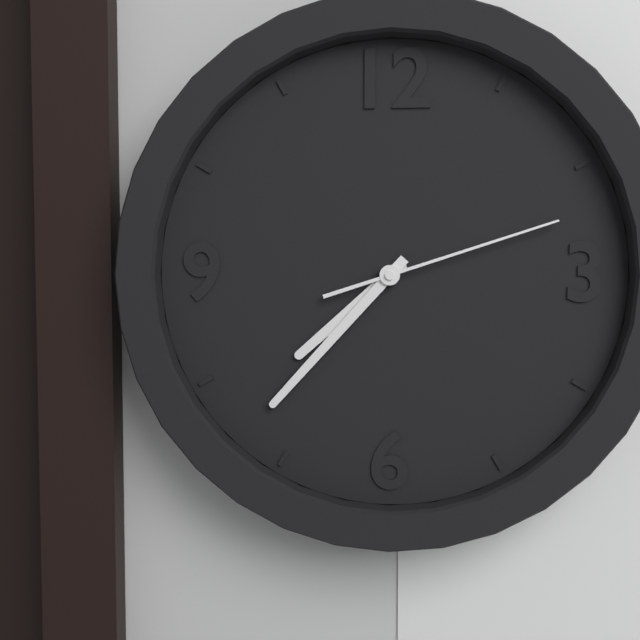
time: 7:37:12
